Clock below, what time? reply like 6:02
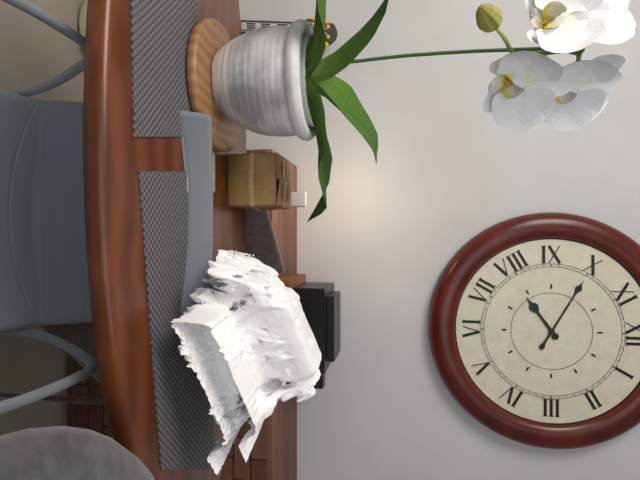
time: 7:50
